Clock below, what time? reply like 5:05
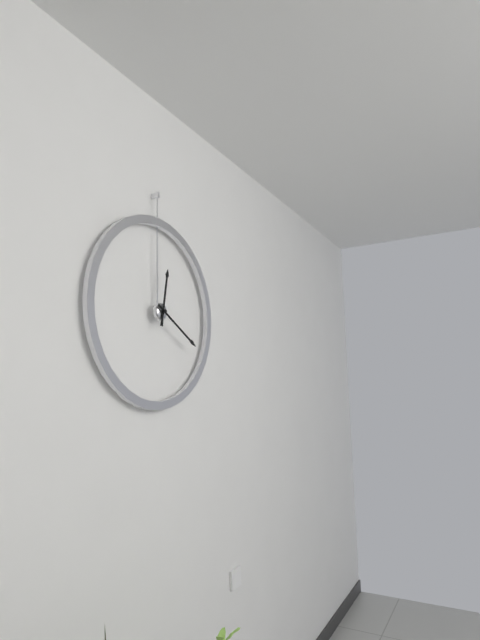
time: 12:20
